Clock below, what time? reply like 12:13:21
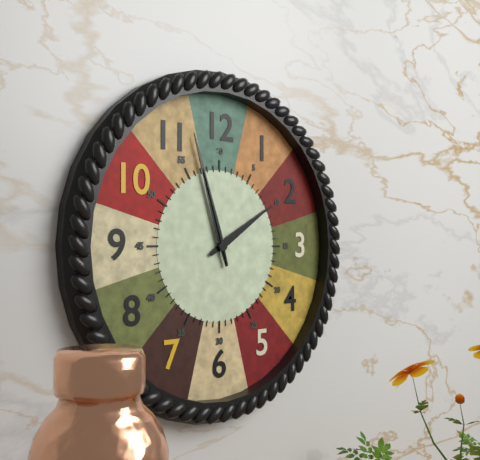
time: 1:57:57
